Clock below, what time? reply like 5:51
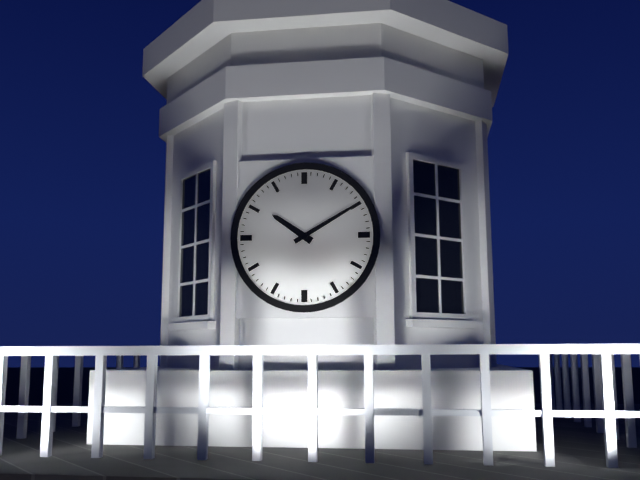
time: 10:10
